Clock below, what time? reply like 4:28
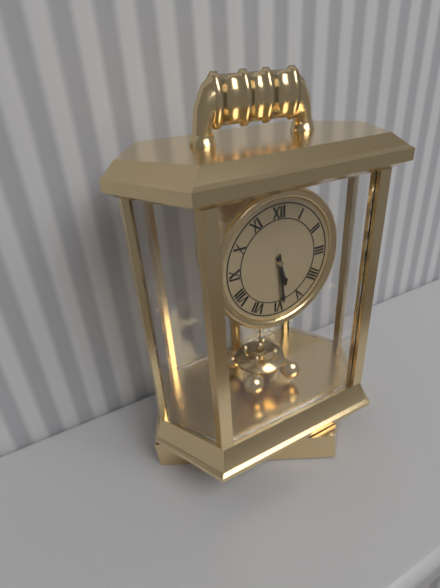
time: 5:29
